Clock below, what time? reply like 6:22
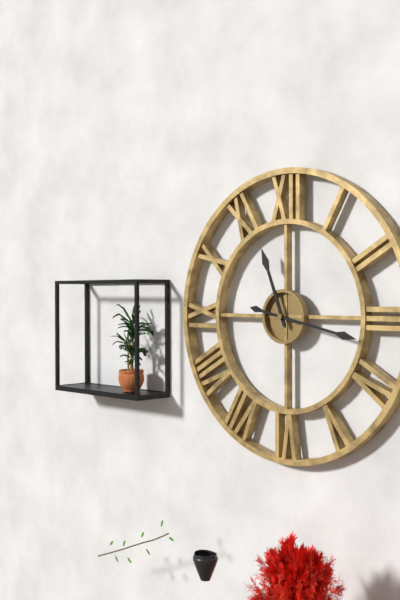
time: 11:17
